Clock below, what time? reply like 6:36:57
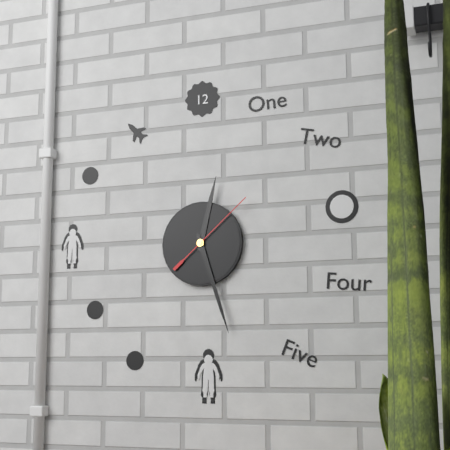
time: 12:27:08
